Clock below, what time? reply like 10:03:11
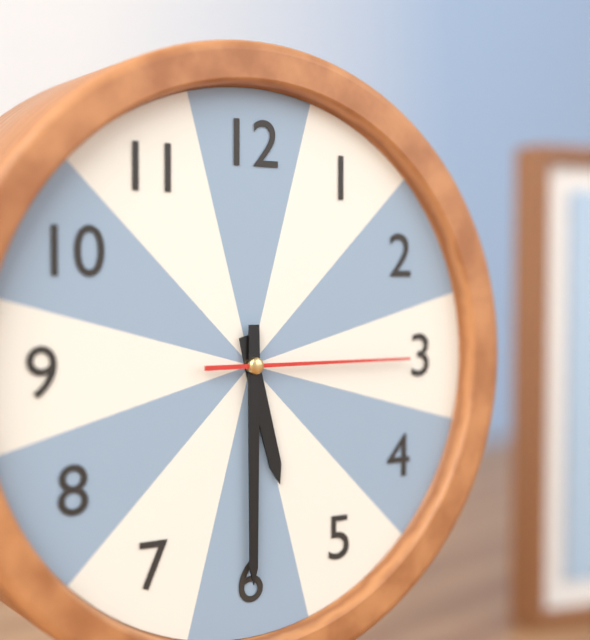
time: 5:30:15
